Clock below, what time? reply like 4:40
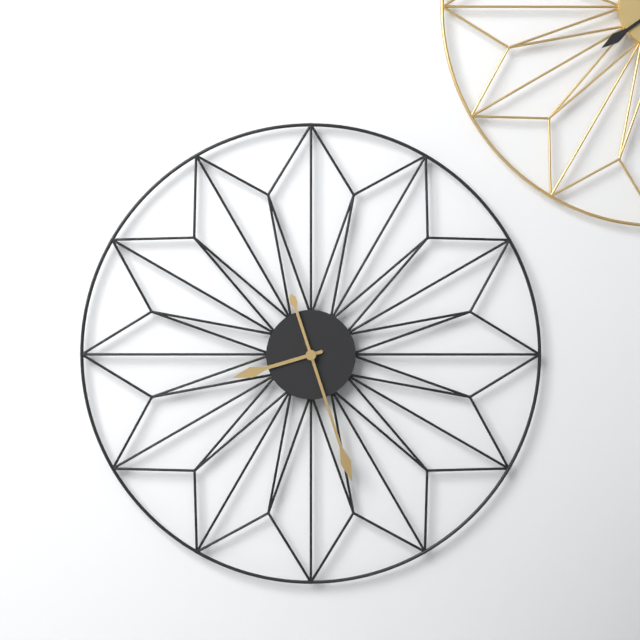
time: 8:27
